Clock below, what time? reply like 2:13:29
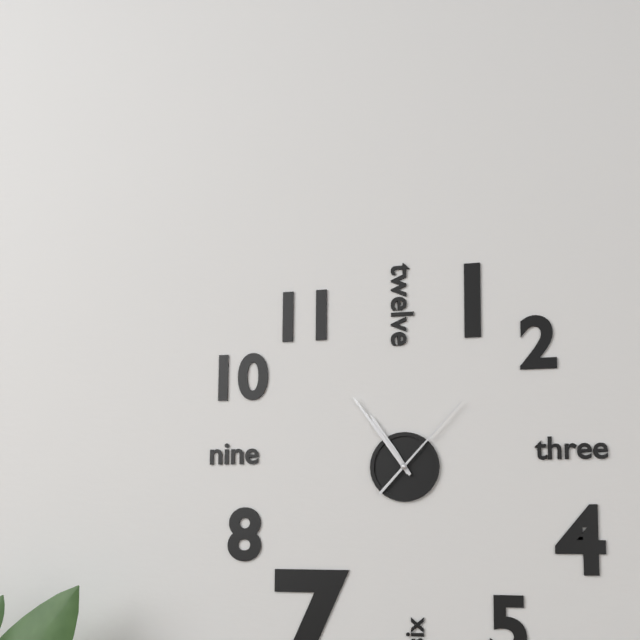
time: 10:54:07
